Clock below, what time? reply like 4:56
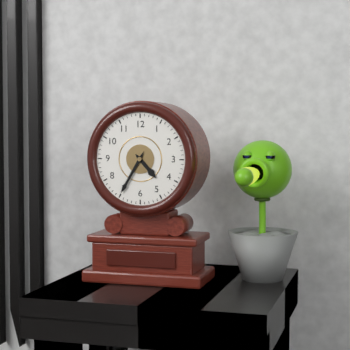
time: 4:35
